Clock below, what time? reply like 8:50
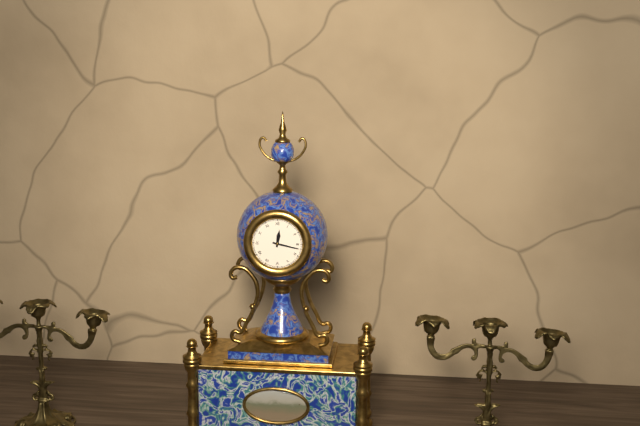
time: 12:17
